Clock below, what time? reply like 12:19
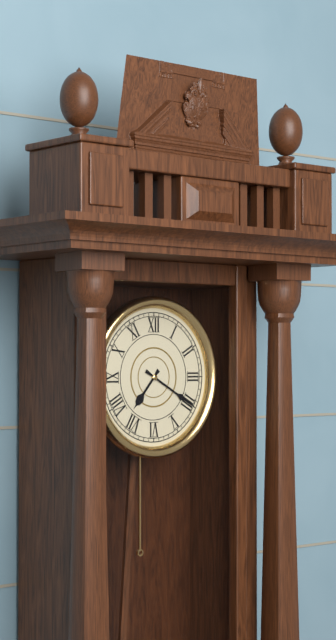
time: 7:20
